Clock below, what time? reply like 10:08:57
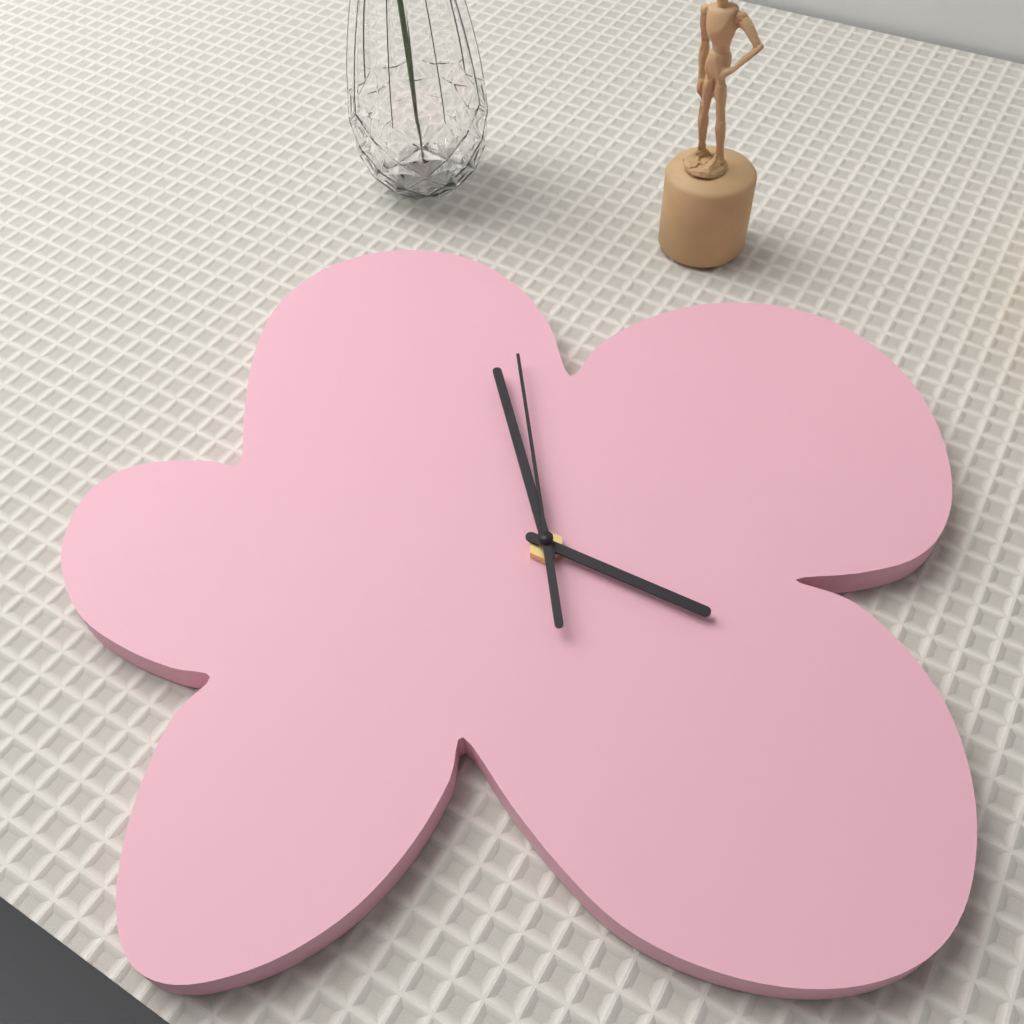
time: 3:58:59
